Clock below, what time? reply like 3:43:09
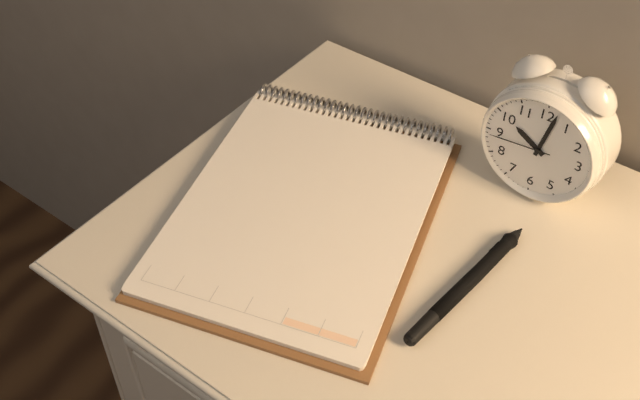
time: 10:02:44
